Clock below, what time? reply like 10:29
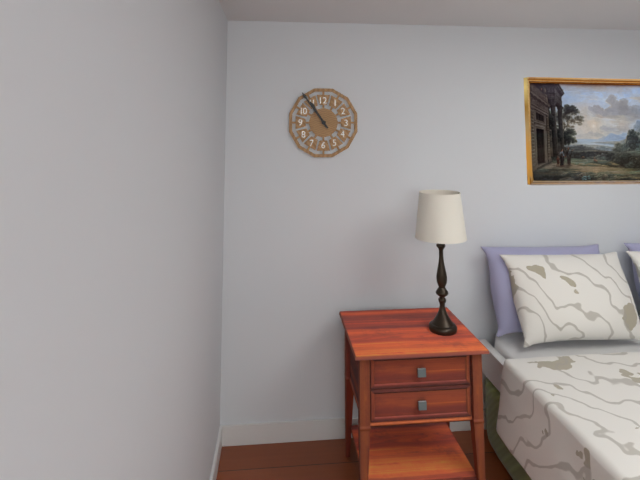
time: 10:54
